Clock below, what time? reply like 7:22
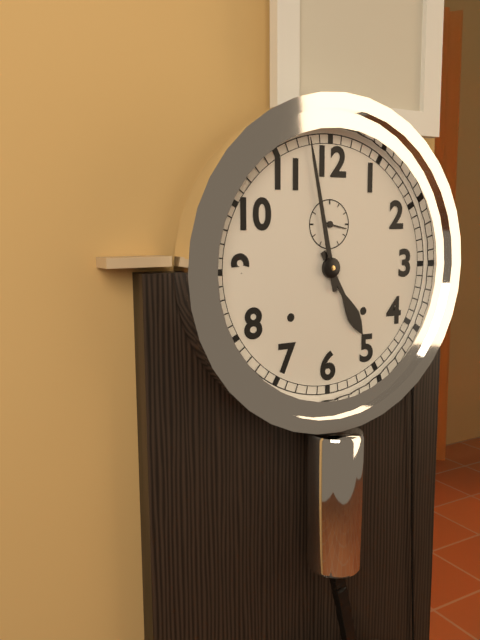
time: 4:58
